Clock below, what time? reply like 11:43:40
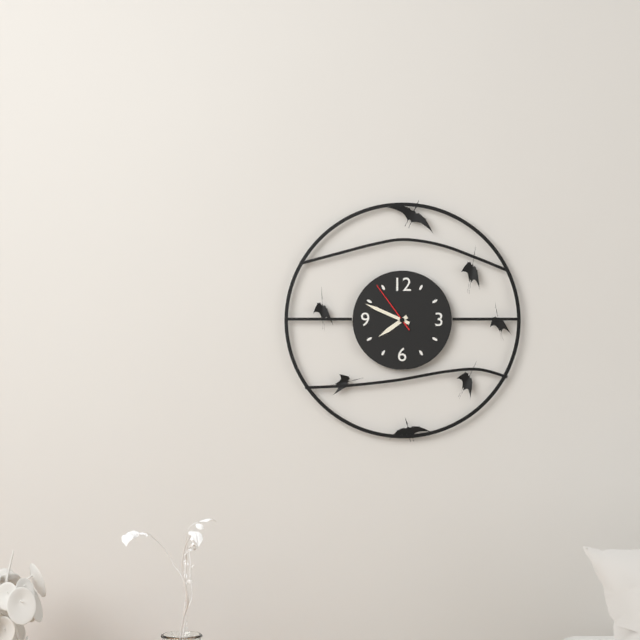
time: 7:49:54
